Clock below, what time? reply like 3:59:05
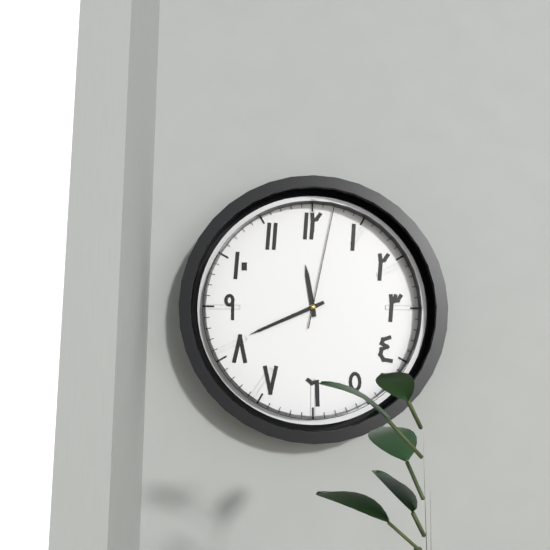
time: 11:41:02
